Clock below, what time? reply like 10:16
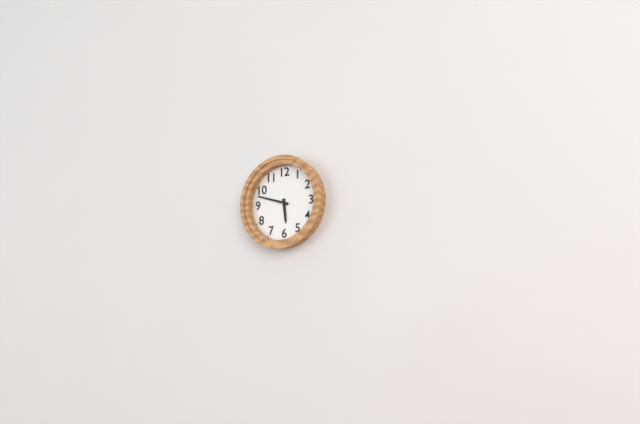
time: 5:48
